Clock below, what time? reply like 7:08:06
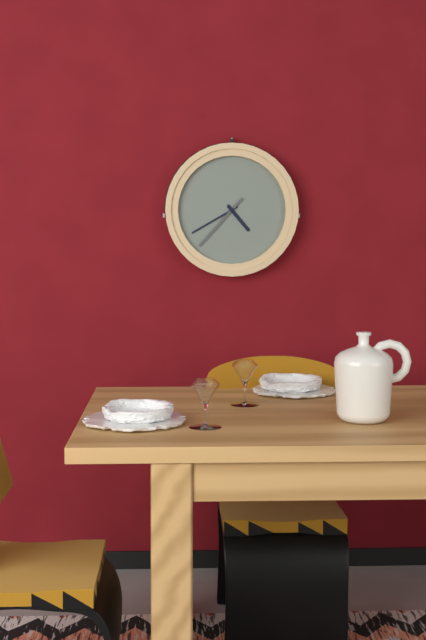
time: 4:40:37
